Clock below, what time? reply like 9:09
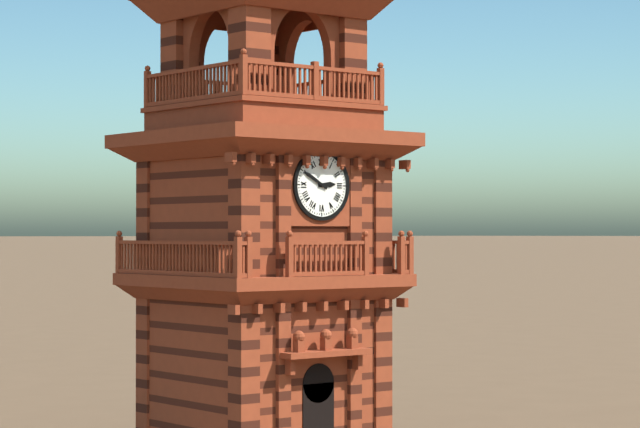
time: 2:50
